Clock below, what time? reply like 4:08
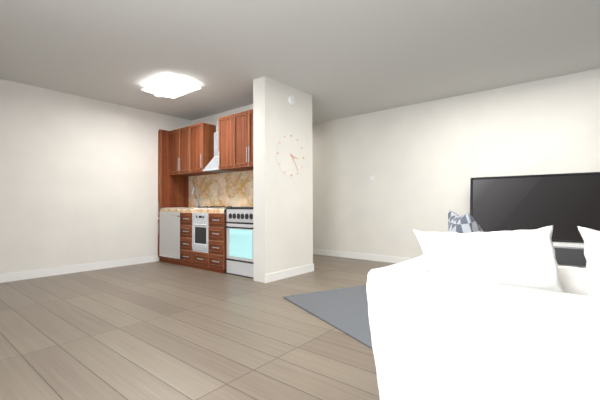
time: 3:24
